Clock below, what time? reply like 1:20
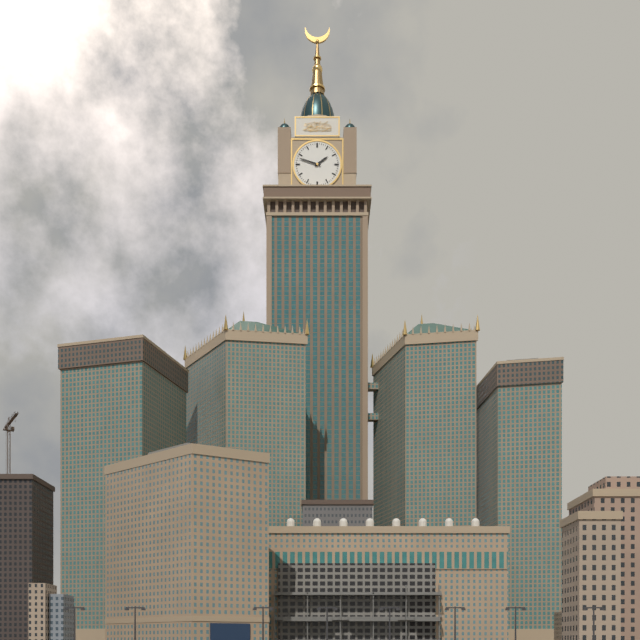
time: 1:48
